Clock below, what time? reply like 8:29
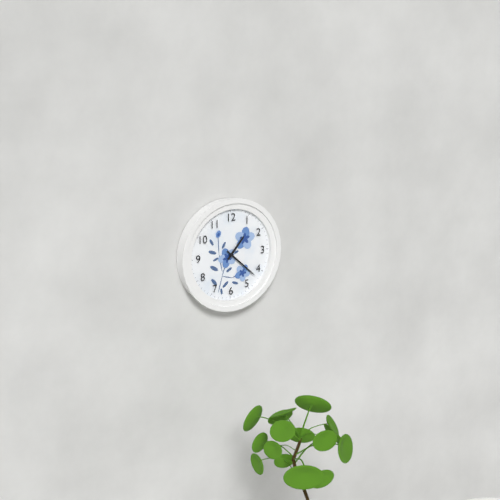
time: 1:22
